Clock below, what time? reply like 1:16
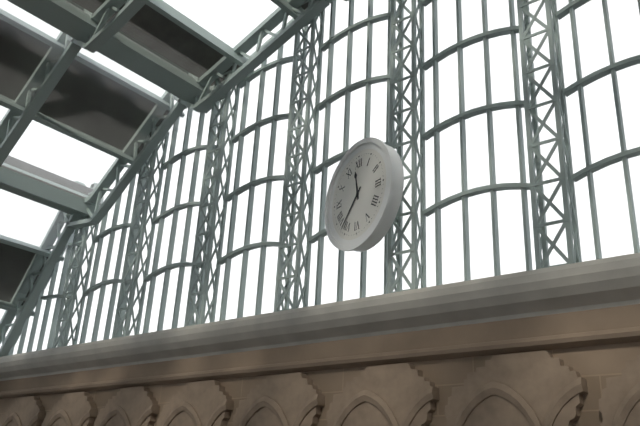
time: 11:37
